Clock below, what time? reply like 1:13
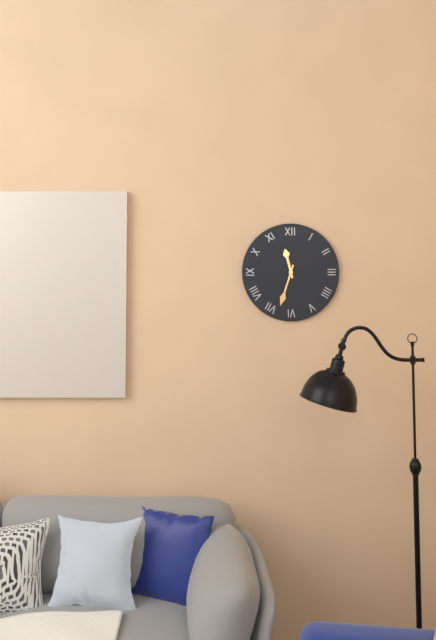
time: 11:33
